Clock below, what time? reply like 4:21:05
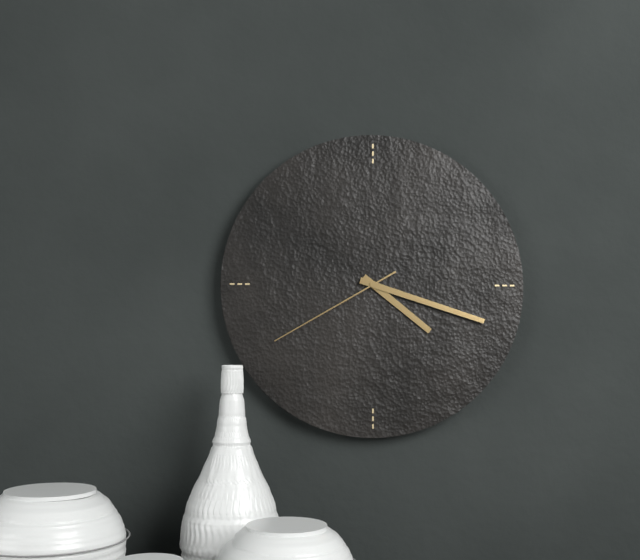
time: 4:18:40
